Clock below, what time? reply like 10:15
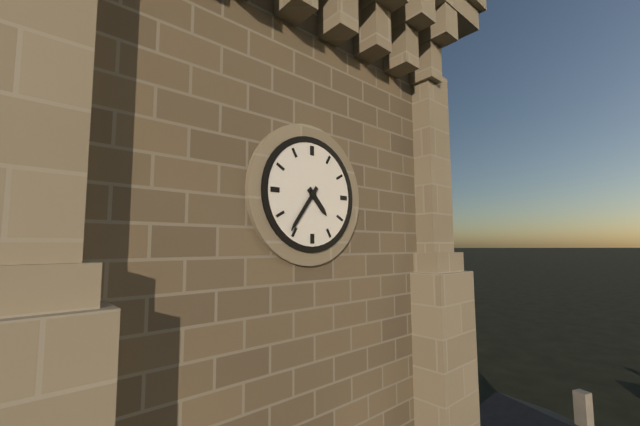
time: 4:36
